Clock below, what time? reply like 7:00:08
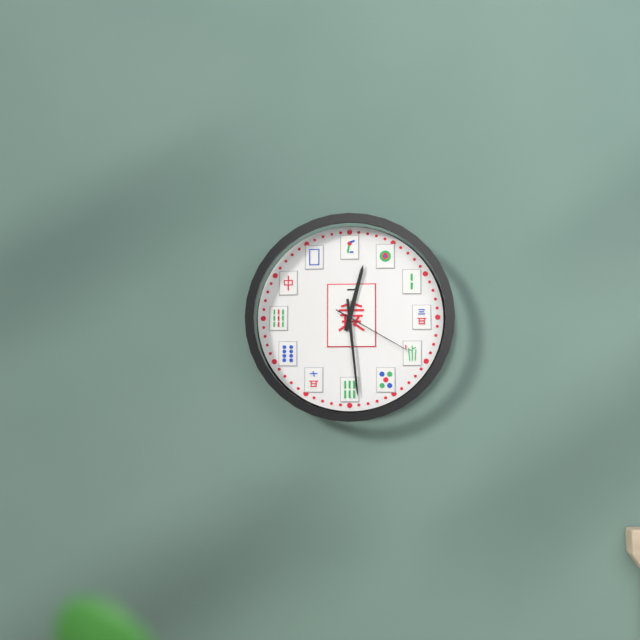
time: 12:29:20
